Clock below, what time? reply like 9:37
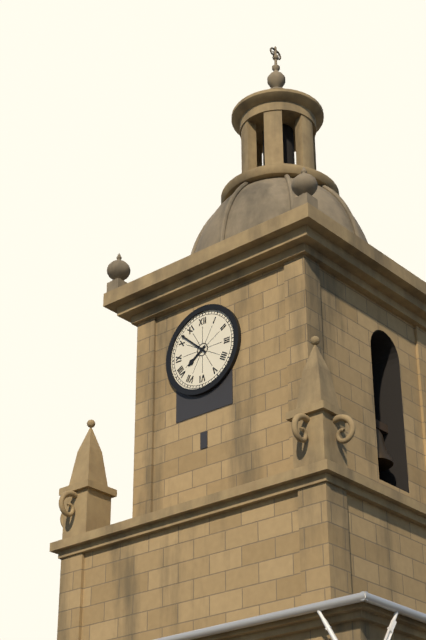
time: 7:52
